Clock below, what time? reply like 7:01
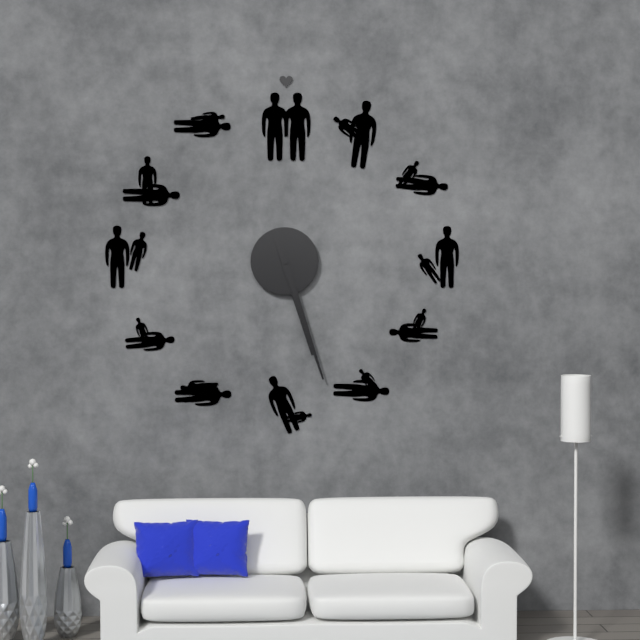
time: 5:27
